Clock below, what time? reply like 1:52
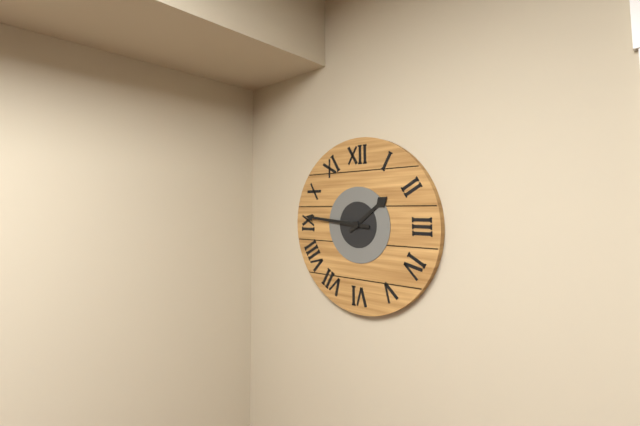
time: 1:46
